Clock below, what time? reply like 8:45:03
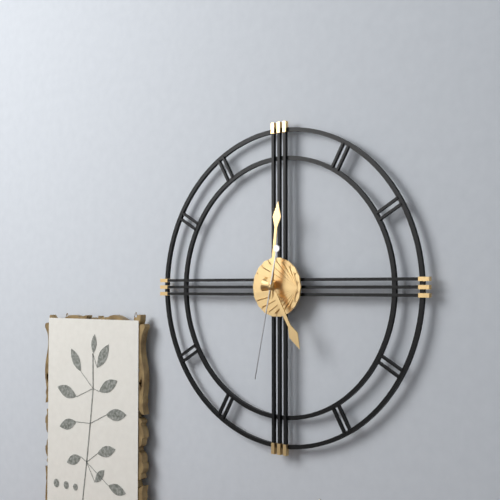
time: 5:01:32
